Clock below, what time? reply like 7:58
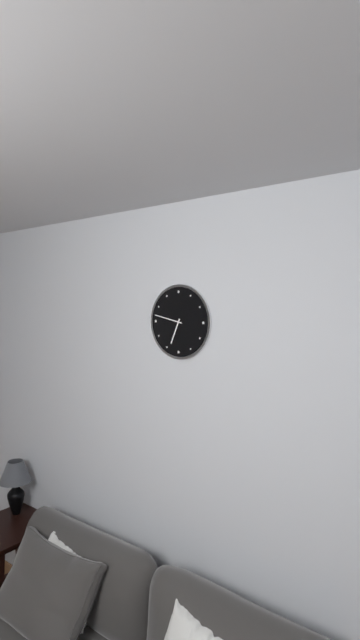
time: 6:47
